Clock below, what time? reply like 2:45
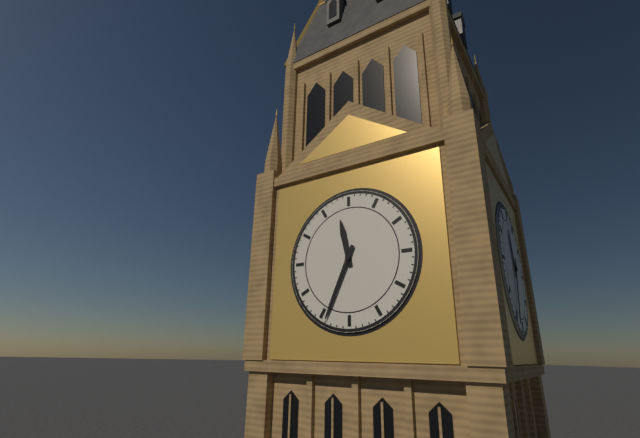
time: 11:34
